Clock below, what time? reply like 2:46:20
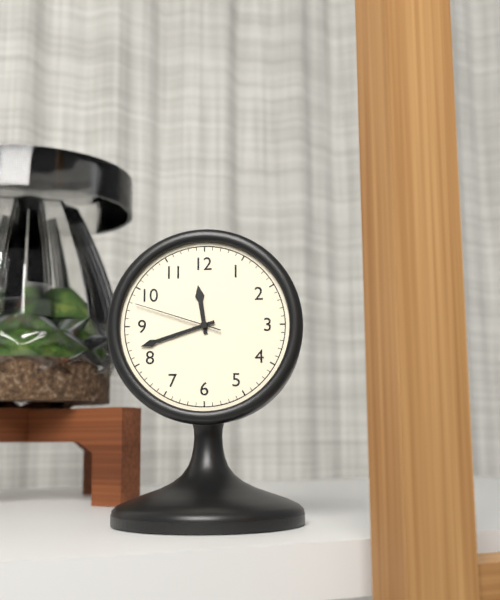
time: 11:42:48
